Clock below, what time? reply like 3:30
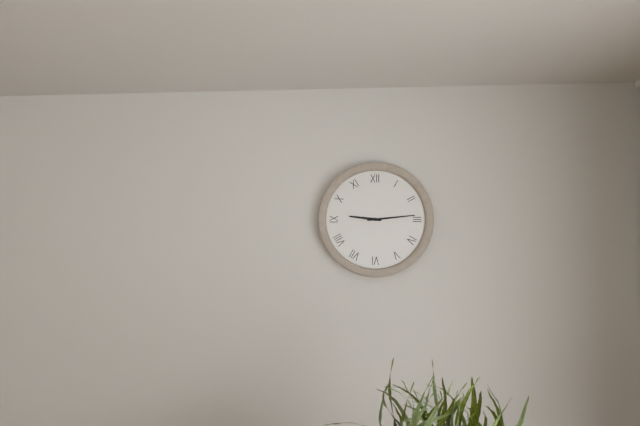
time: 9:14
